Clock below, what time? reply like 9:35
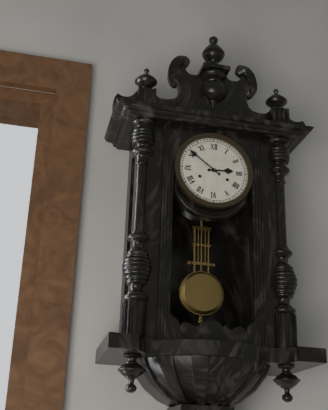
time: 2:51
